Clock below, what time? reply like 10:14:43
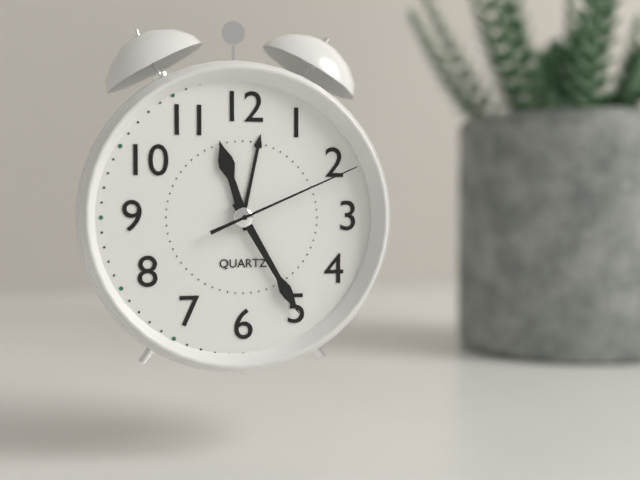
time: 11:25:11
